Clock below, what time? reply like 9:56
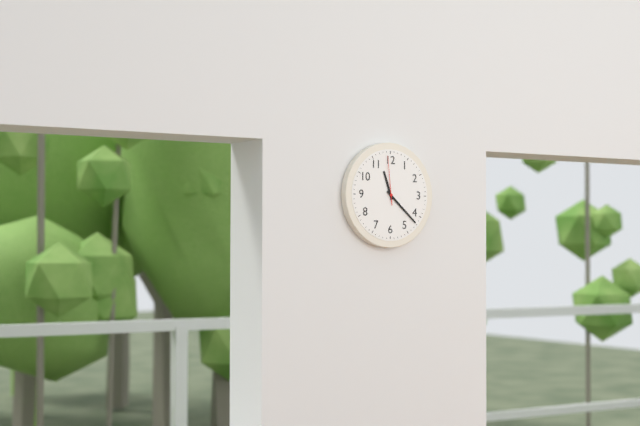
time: 11:22
